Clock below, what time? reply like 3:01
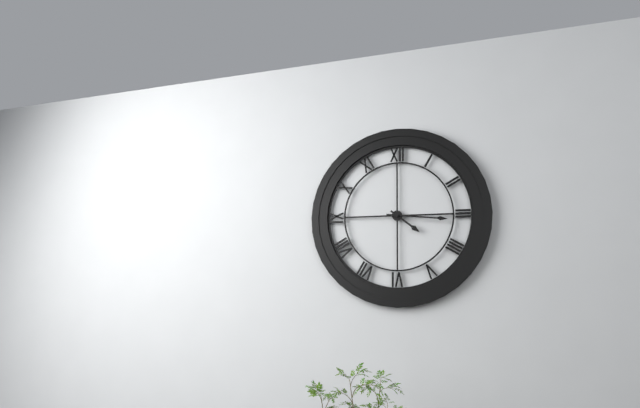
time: 4:16
